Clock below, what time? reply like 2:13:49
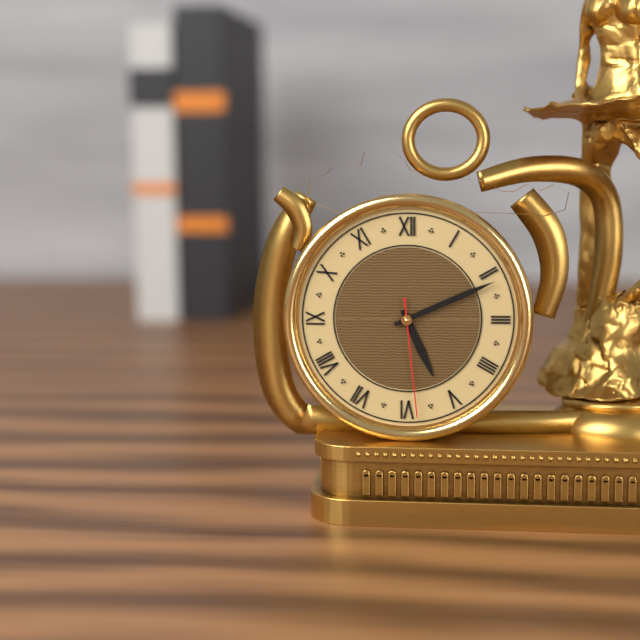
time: 5:11:29
